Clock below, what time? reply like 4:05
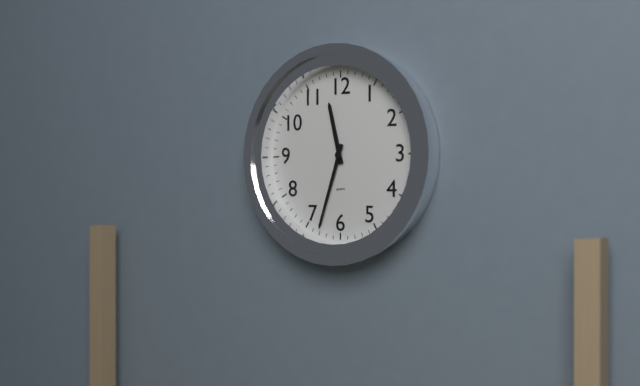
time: 11:33
